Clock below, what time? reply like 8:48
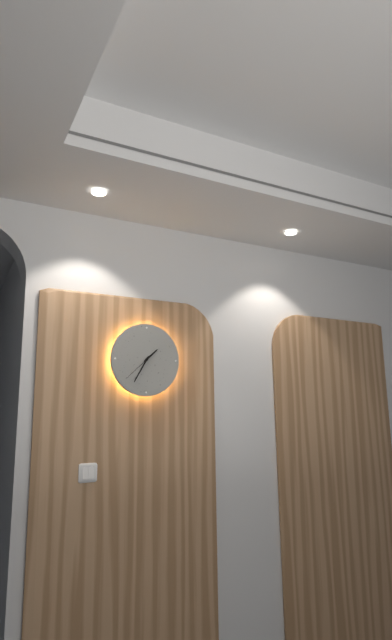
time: 1:35
